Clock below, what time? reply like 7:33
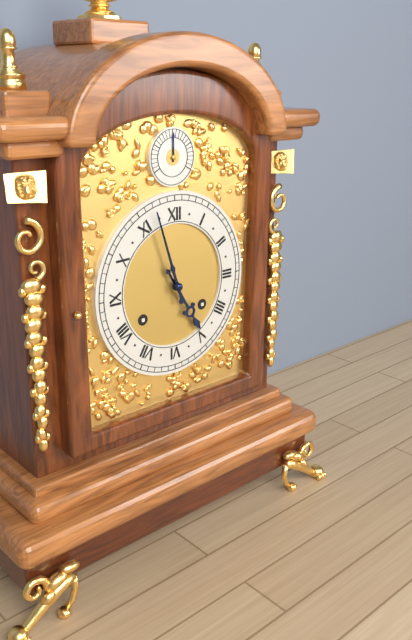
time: 4:57
